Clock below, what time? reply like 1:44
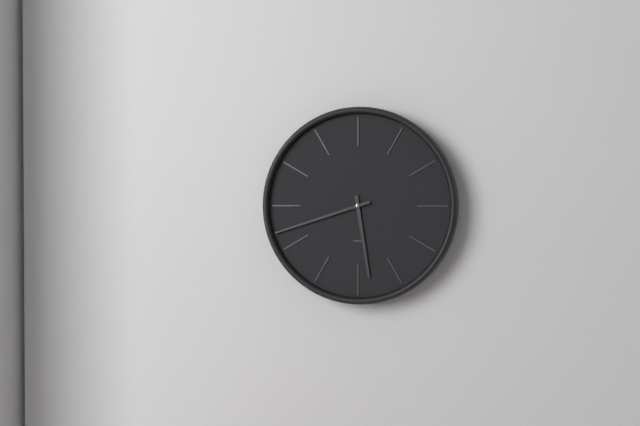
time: 5:42
